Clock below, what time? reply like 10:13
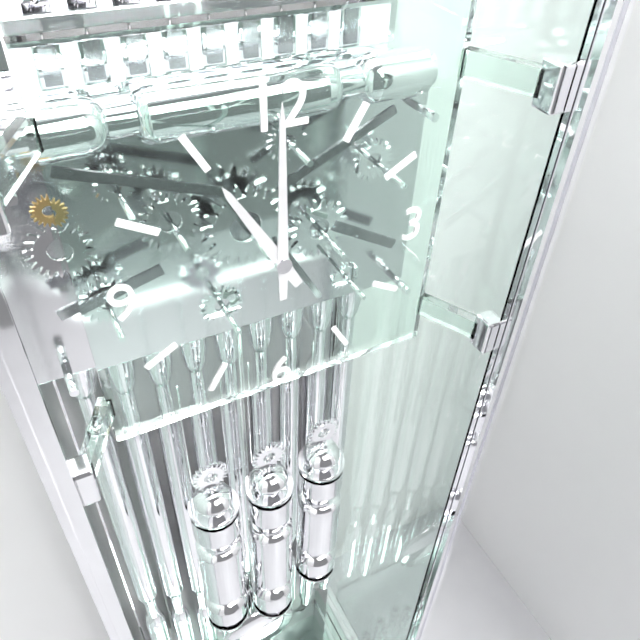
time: 11:00
